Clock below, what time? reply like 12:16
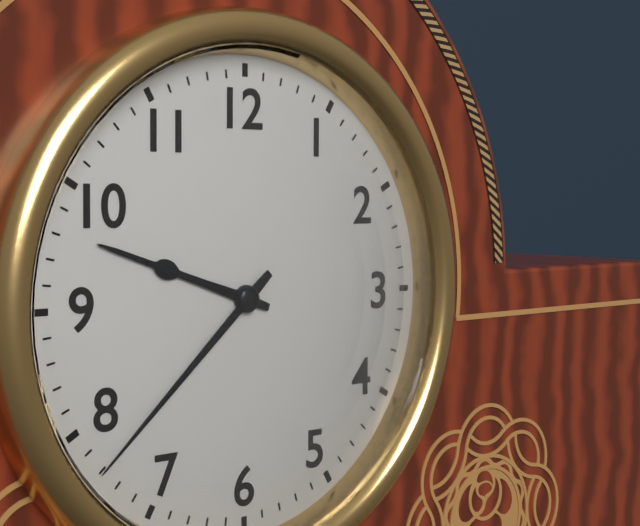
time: 9:38
